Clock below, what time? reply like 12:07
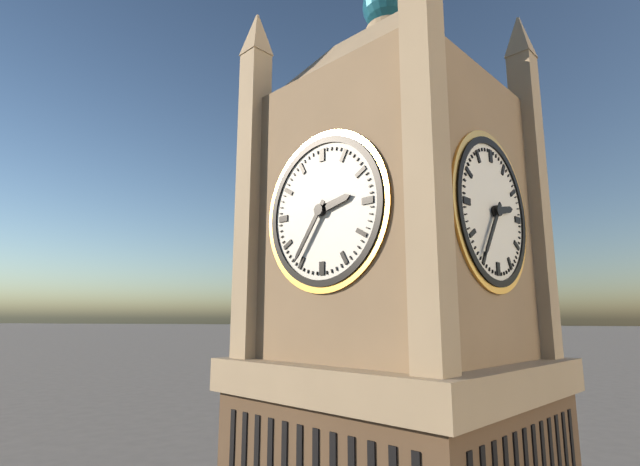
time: 2:36
